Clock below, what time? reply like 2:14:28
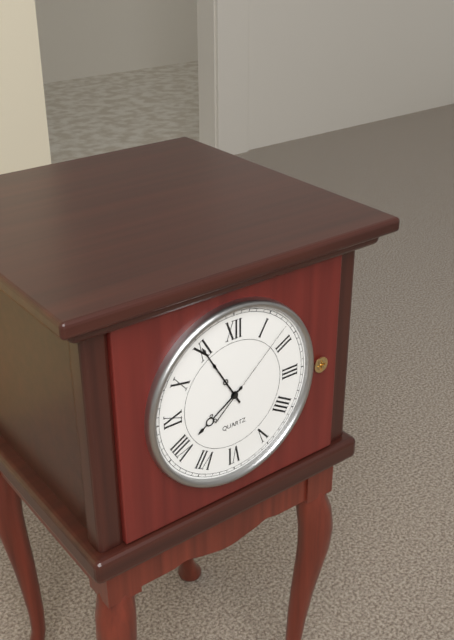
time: 7:55:08
